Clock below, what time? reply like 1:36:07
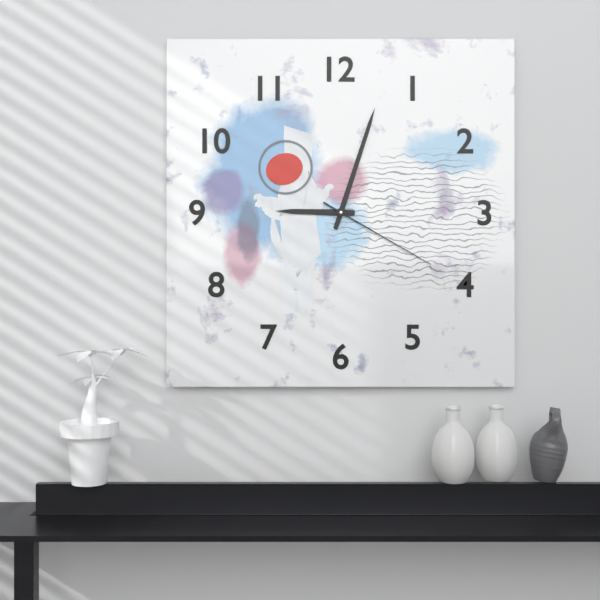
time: 9:03:20
